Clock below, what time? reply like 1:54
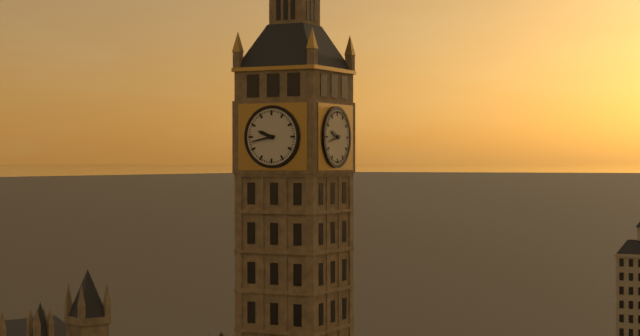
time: 9:43
